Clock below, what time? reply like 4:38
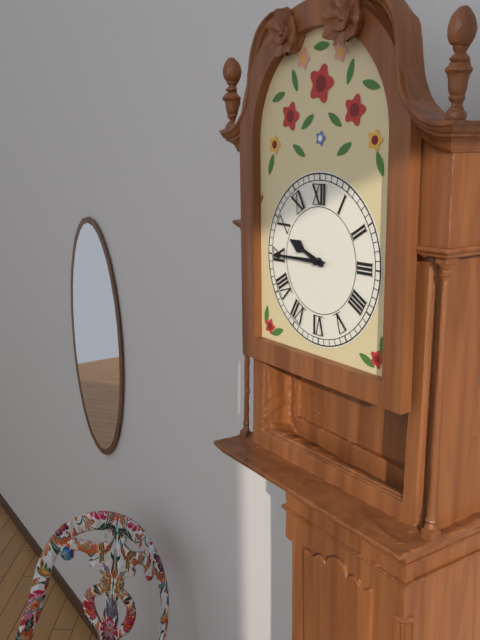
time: 9:45
